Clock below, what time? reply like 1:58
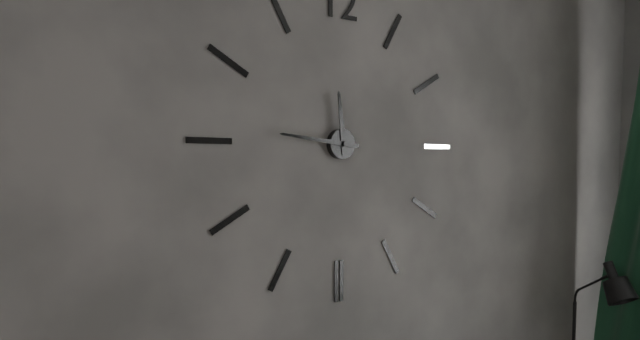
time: 11:46
